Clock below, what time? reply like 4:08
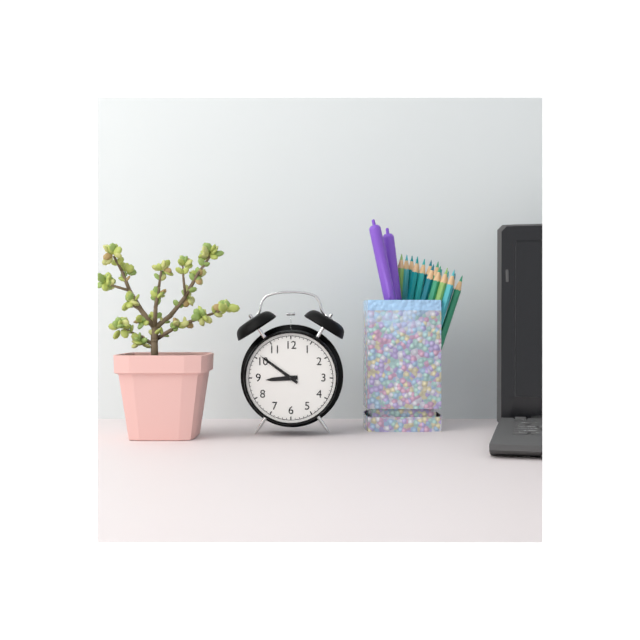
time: 8:51
